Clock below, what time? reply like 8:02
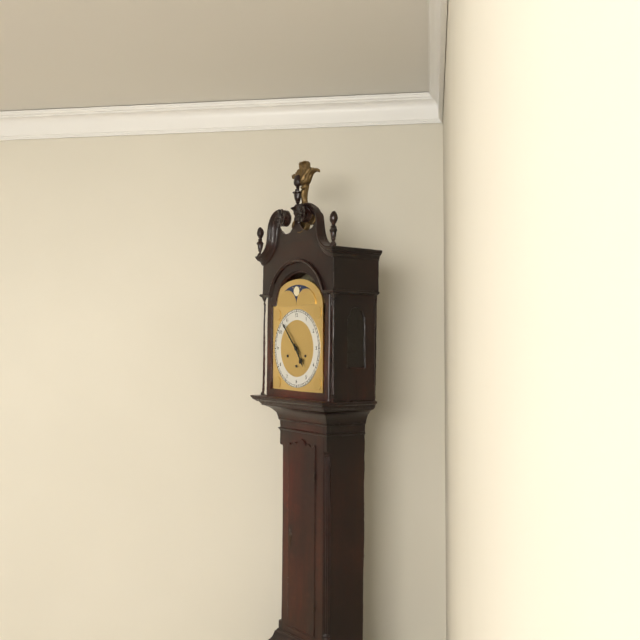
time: 4:53
